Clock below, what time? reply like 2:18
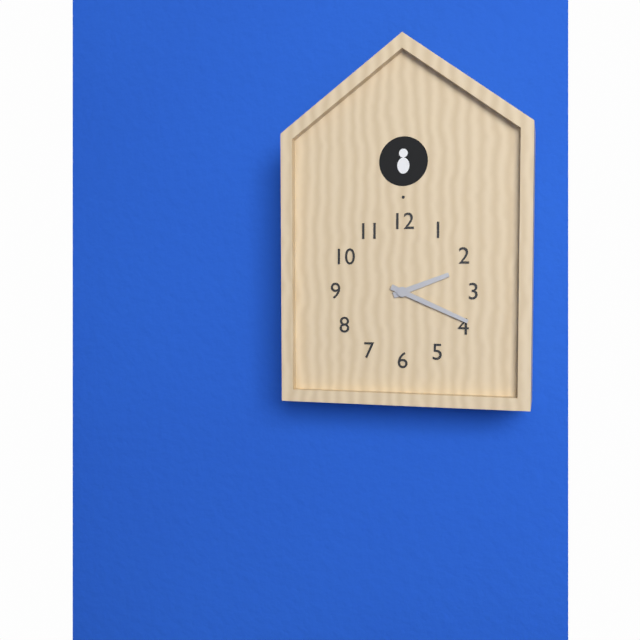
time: 2:19
